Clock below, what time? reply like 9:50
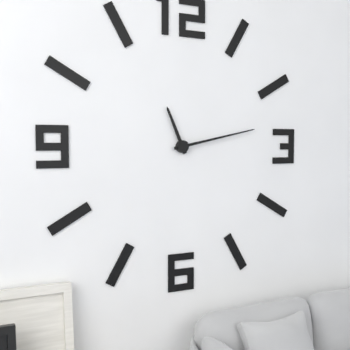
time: 11:13
